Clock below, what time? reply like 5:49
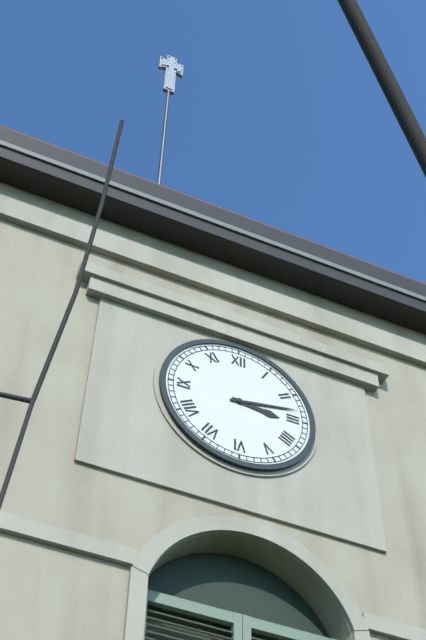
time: 3:13
